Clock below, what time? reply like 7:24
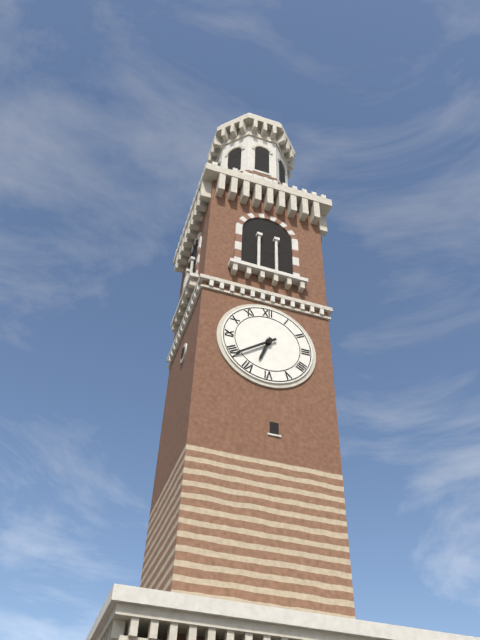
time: 6:39
